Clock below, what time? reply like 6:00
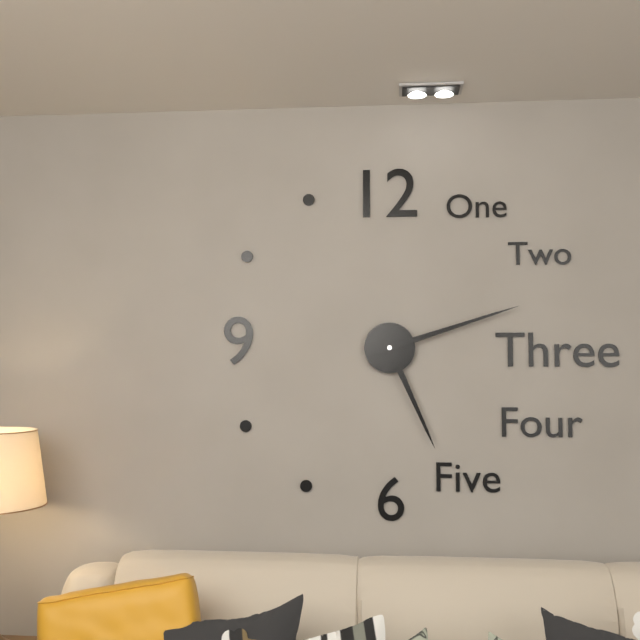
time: 5:12
